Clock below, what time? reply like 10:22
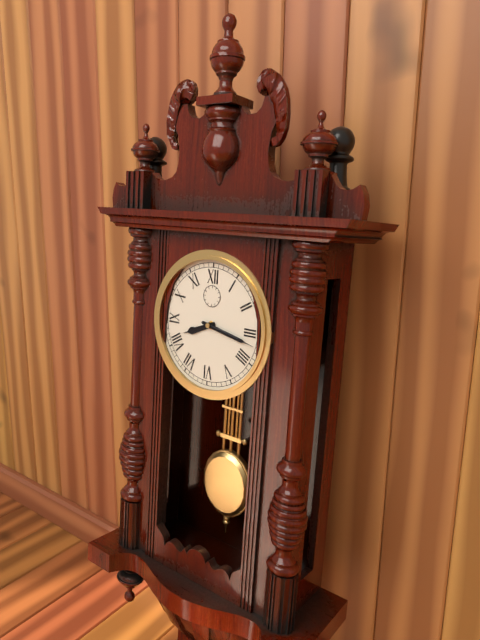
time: 8:17
